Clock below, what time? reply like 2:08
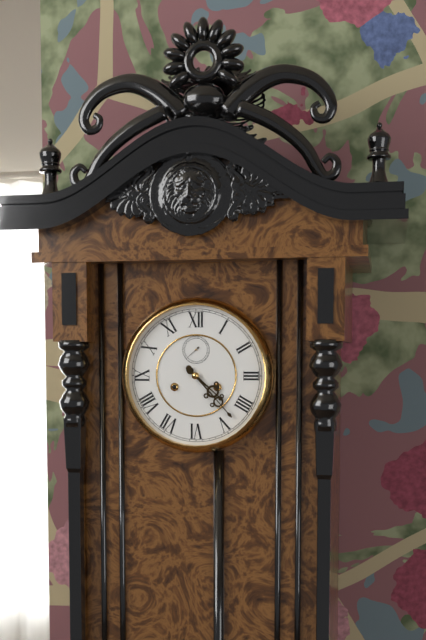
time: 4:23
